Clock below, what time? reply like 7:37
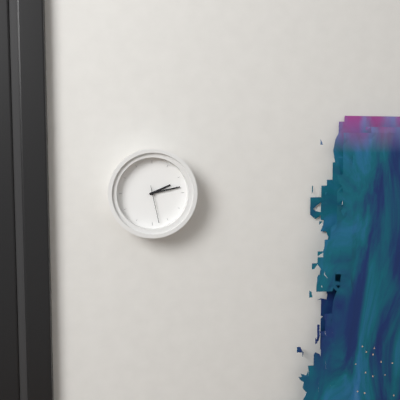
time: 2:13
